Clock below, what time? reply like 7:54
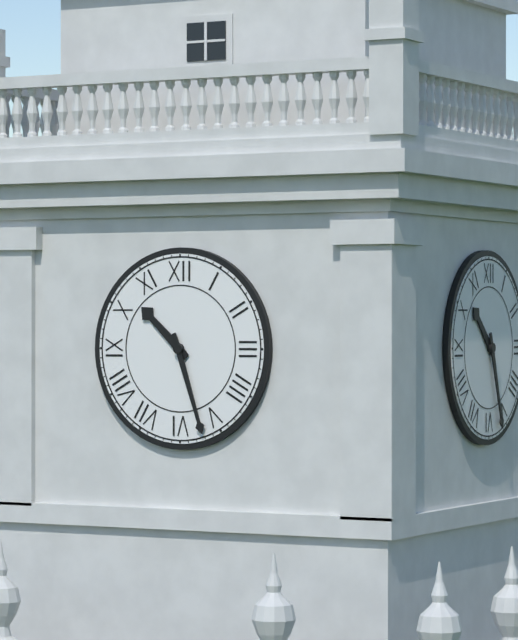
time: 10:27
